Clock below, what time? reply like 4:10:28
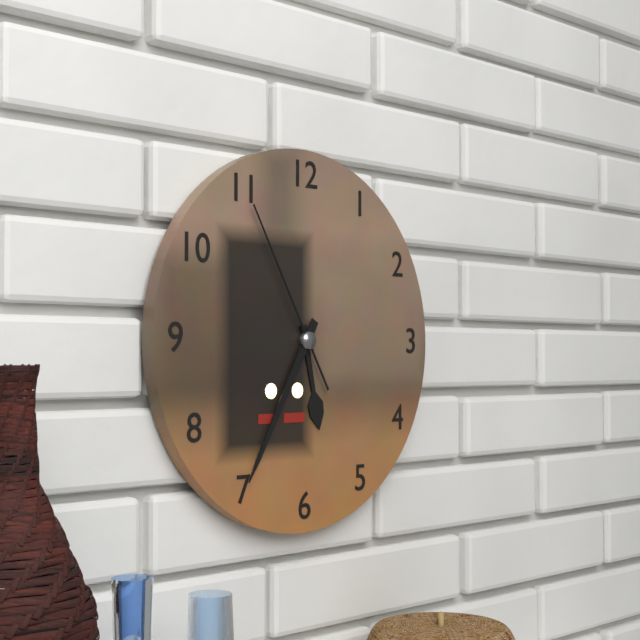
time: 5:35:55
